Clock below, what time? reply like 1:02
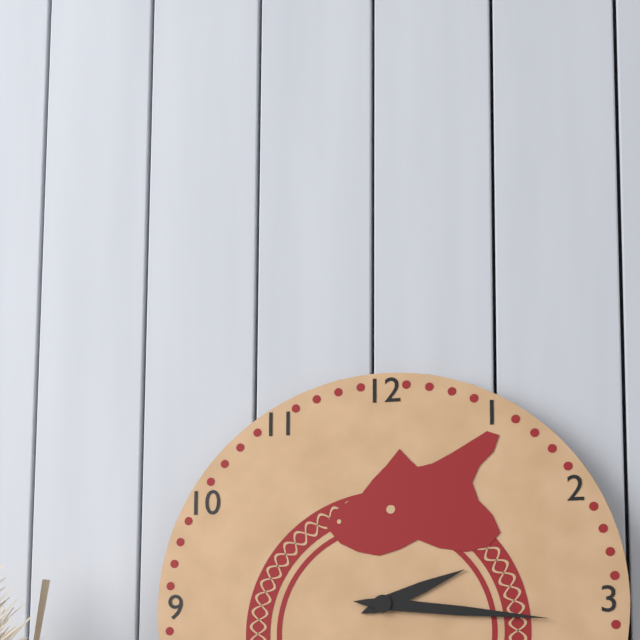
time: 2:16
